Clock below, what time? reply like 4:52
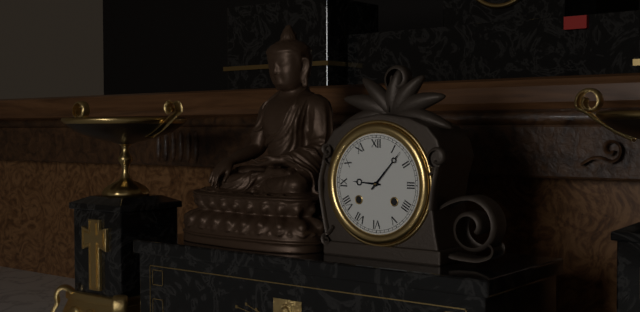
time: 9:07
